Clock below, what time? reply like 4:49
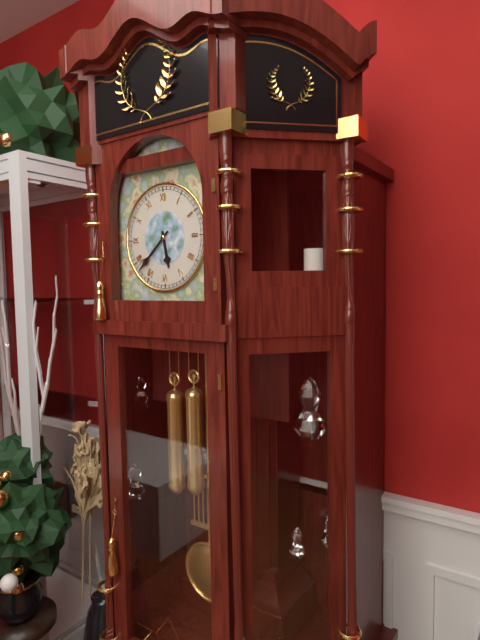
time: 5:38
